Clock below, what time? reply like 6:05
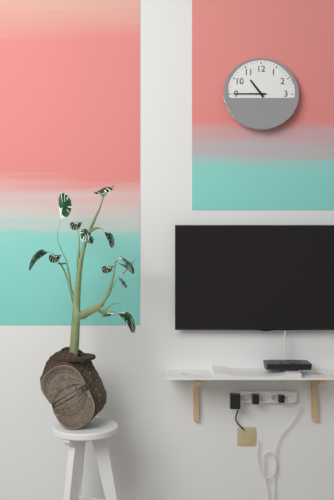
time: 10:45
